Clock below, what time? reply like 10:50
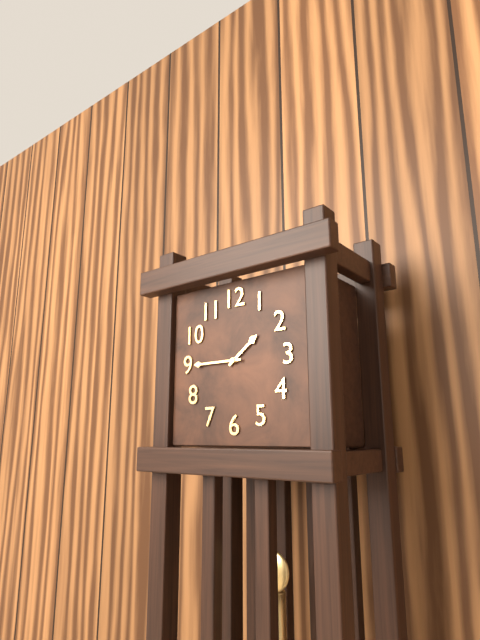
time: 1:45
